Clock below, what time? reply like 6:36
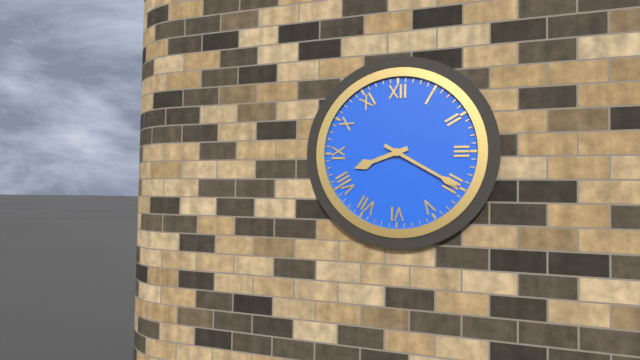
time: 8:20
